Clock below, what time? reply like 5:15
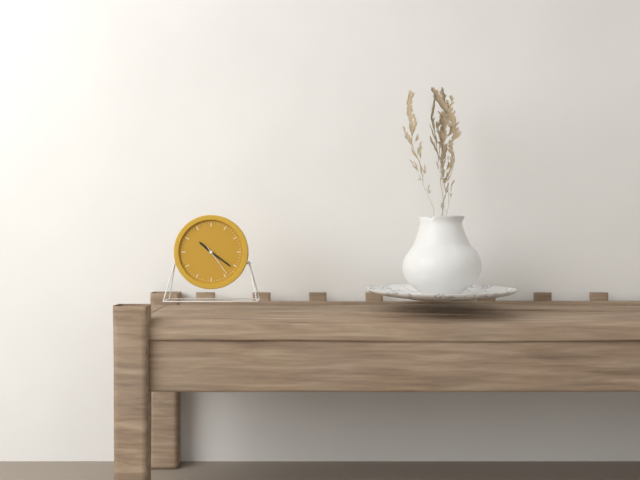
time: 10:21
